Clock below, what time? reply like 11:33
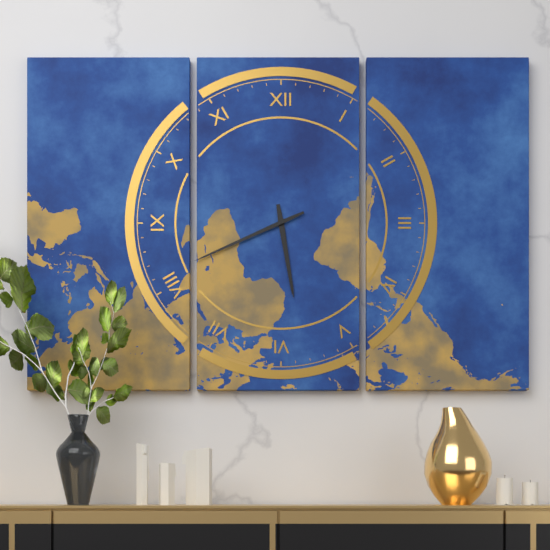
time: 5:41
